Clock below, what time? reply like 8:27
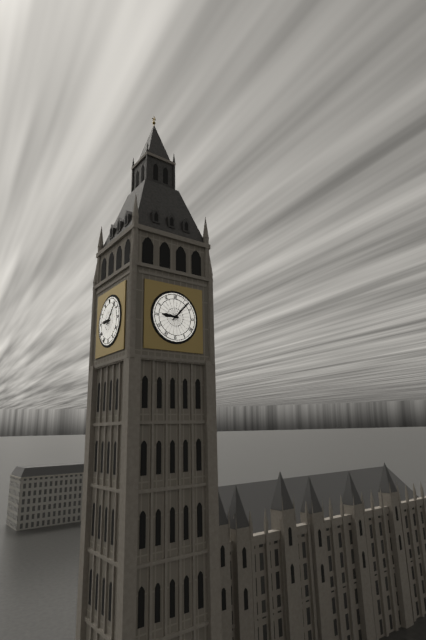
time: 9:07
